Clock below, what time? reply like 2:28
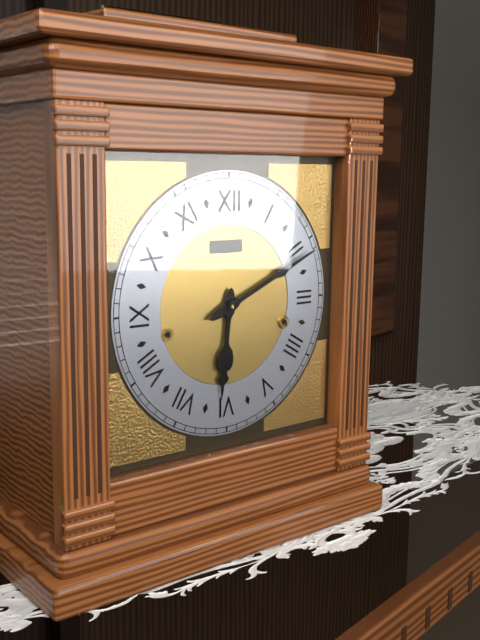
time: 6:11
